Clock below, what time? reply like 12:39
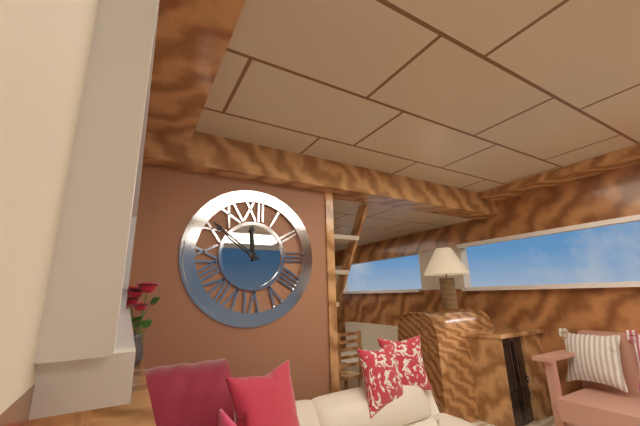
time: 11:51
